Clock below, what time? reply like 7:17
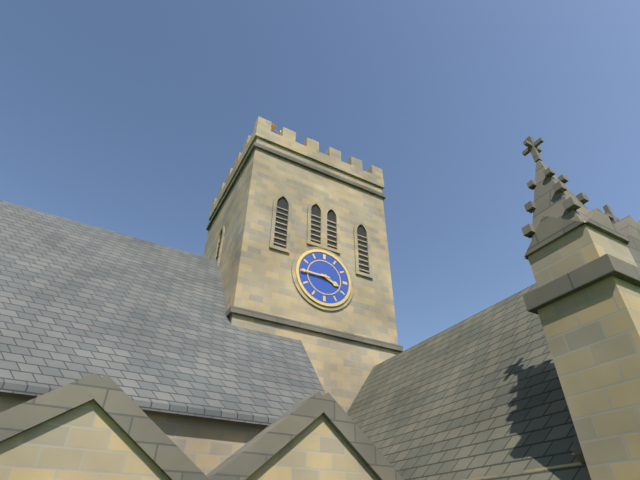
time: 3:45
